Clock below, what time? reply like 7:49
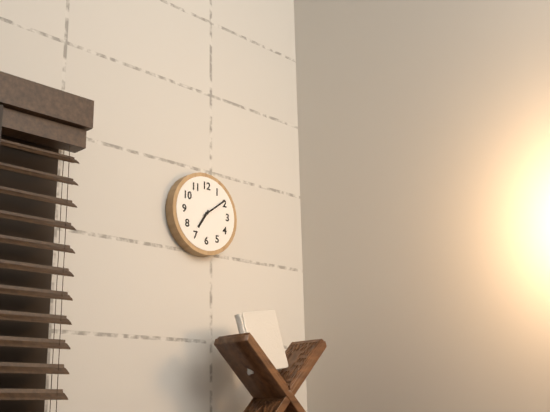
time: 7:09
